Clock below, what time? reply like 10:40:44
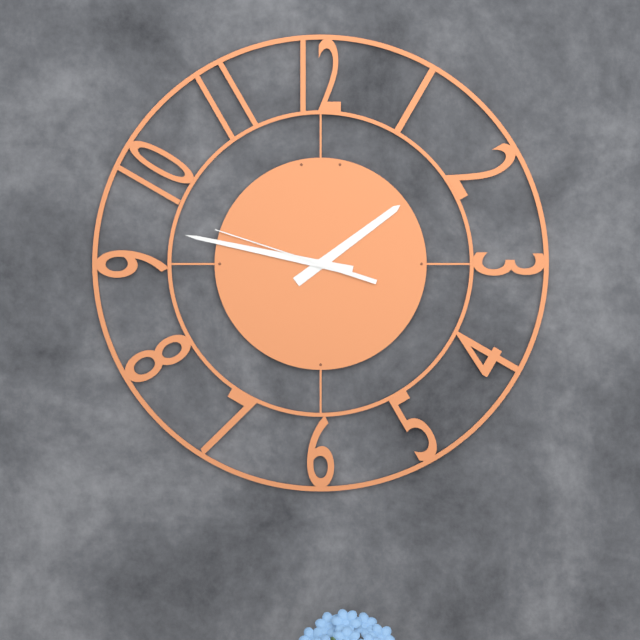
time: 1:47:48
